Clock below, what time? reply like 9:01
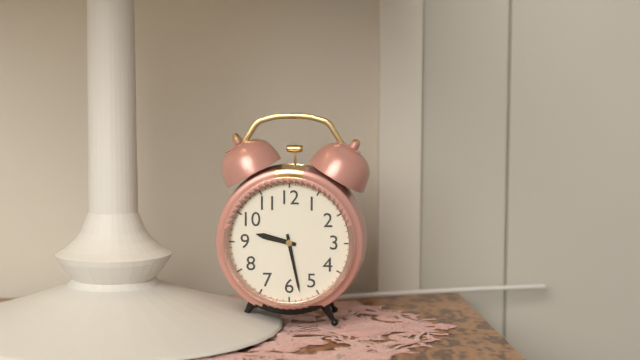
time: 9:28
